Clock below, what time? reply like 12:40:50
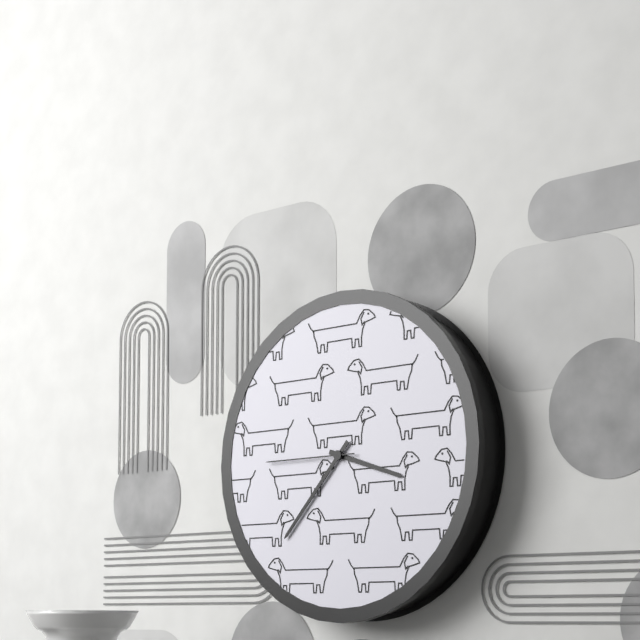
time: 3:37:45
